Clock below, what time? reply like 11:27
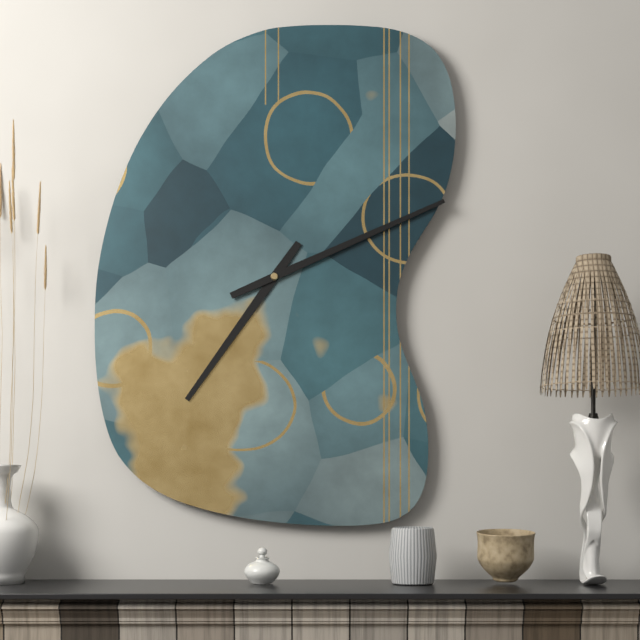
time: 7:11
